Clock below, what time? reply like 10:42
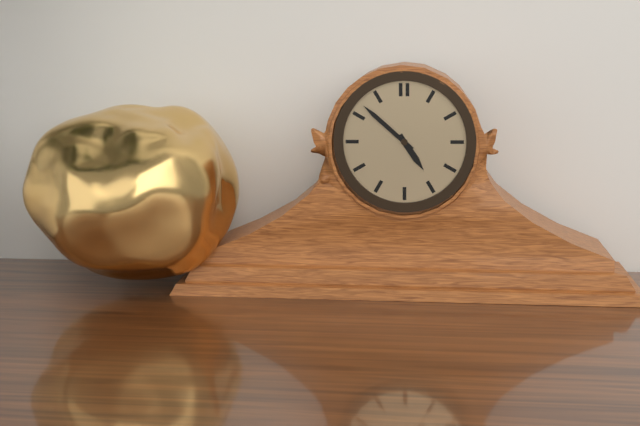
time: 4:52
